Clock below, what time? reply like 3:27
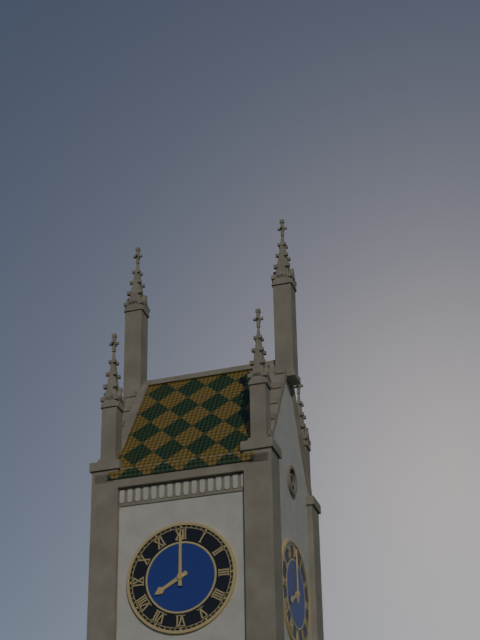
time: 8:00
